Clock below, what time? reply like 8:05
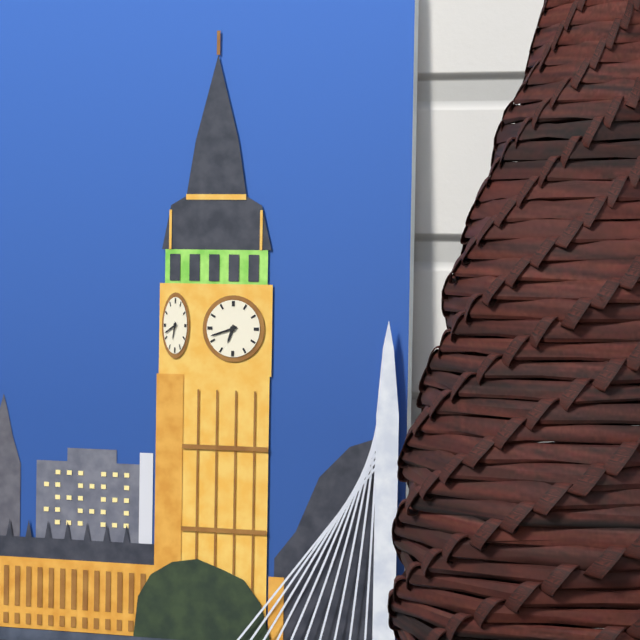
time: 6:42
